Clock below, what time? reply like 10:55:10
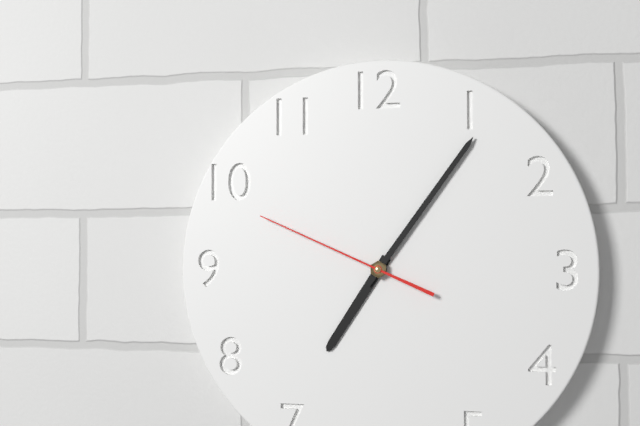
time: 7:06:49
